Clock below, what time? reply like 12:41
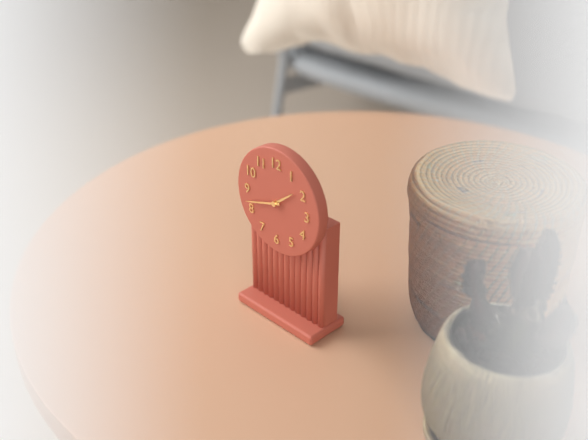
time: 1:42
